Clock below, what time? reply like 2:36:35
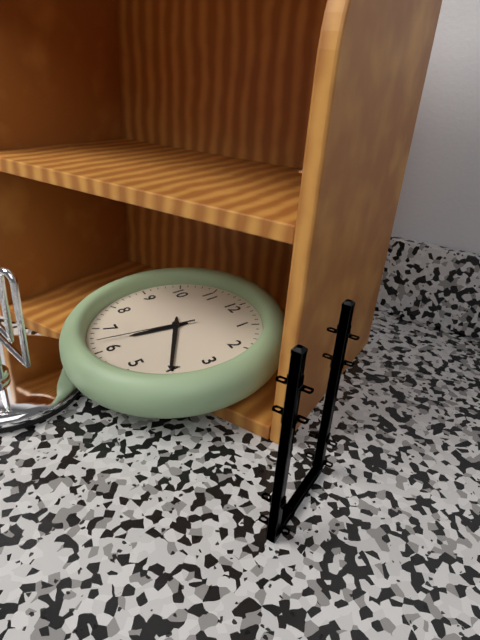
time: 6:20:32
